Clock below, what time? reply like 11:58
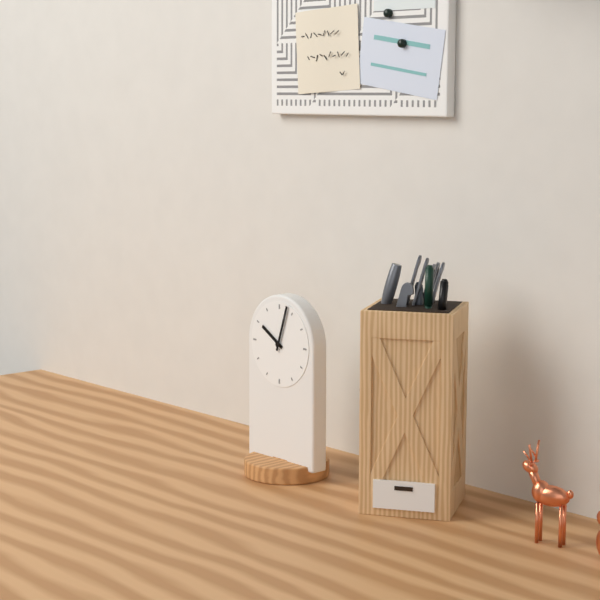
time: 10:03
